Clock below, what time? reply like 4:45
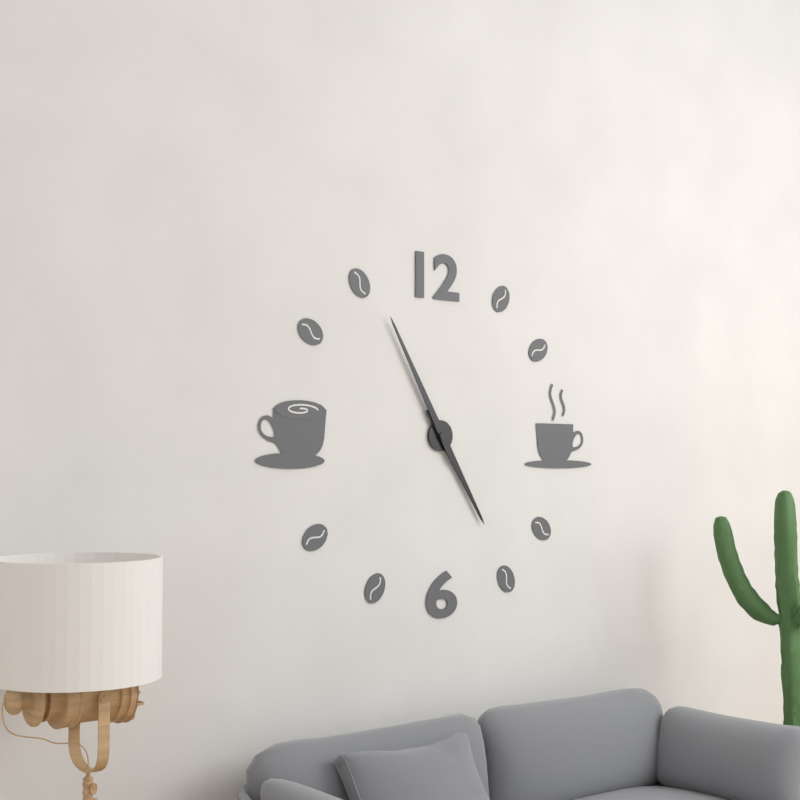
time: 4:55
